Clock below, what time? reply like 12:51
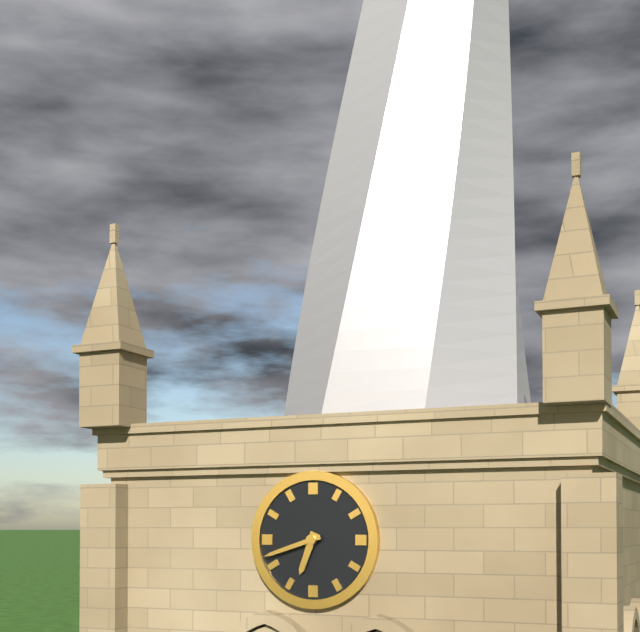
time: 6:42
